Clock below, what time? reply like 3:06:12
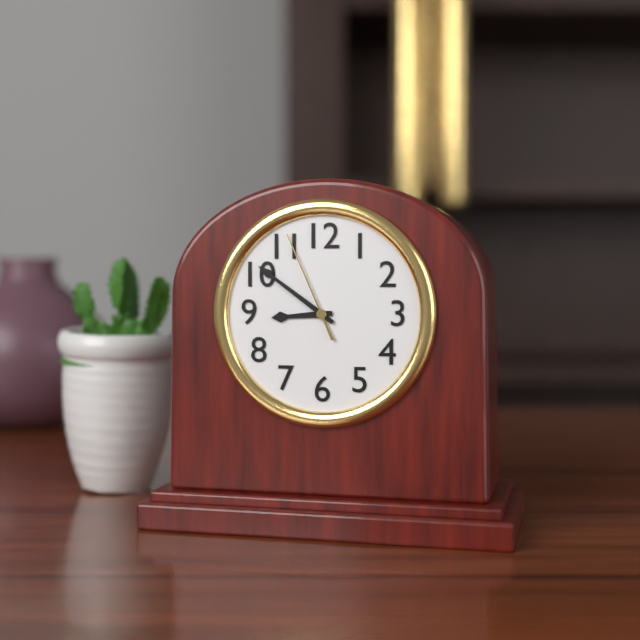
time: 8:51:56
